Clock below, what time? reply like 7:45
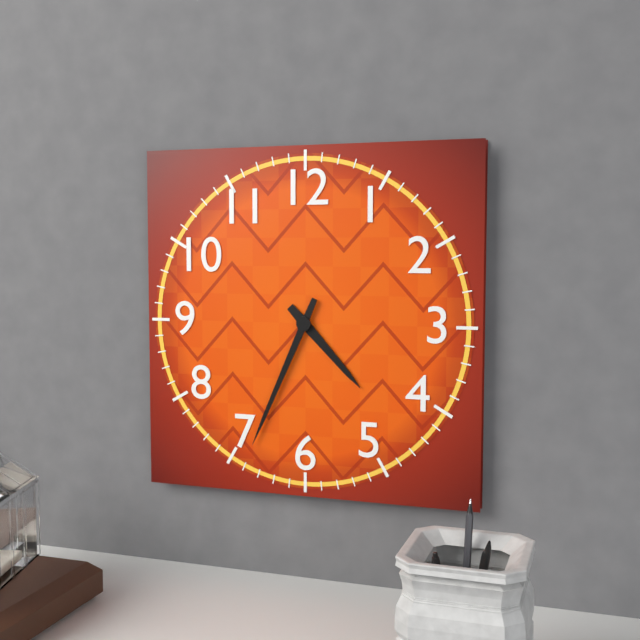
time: 4:34
